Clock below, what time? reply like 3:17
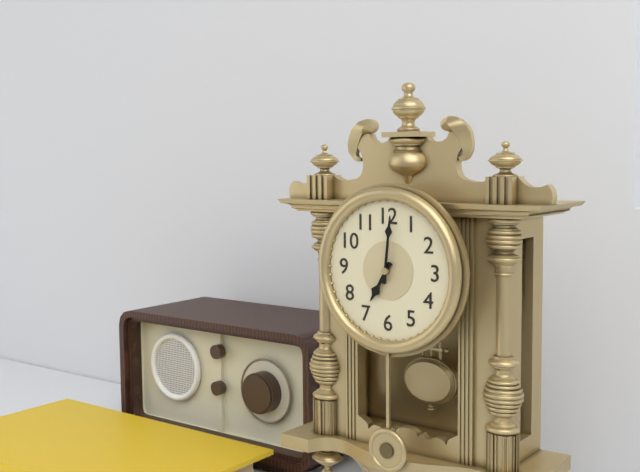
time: 7:01
